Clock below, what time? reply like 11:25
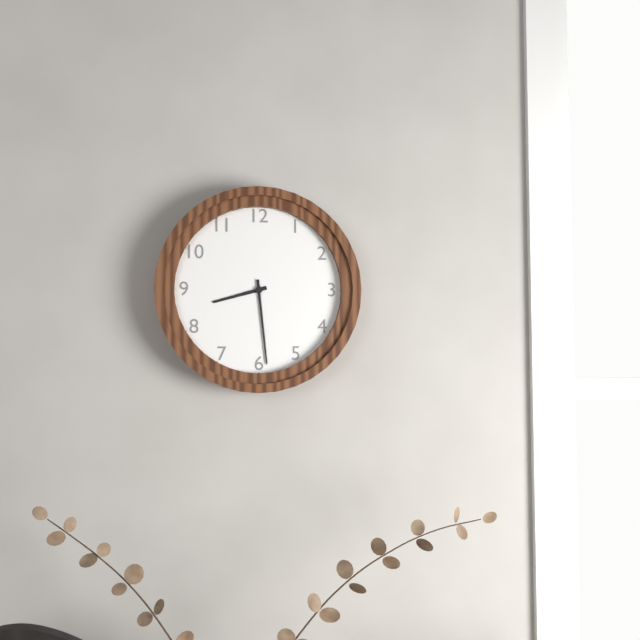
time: 8:29
